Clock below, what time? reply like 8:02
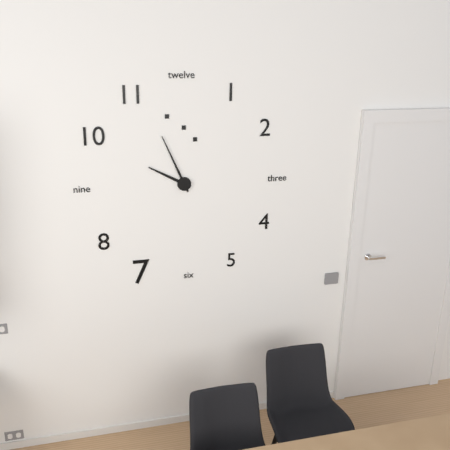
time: 9:56
